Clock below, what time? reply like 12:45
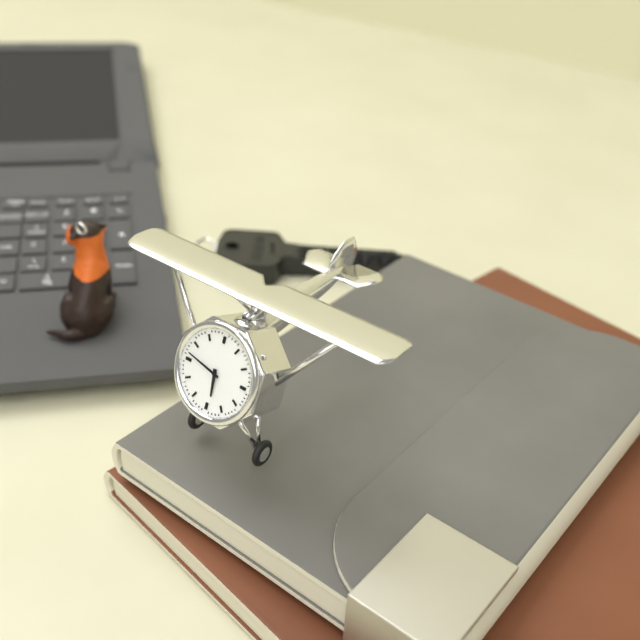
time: 5:47
